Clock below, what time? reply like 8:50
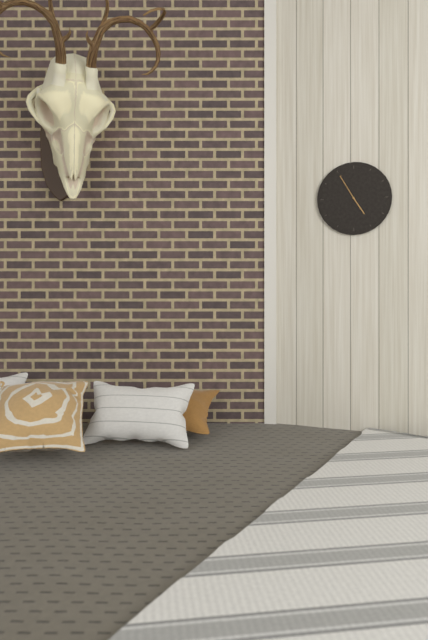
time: 4:55
